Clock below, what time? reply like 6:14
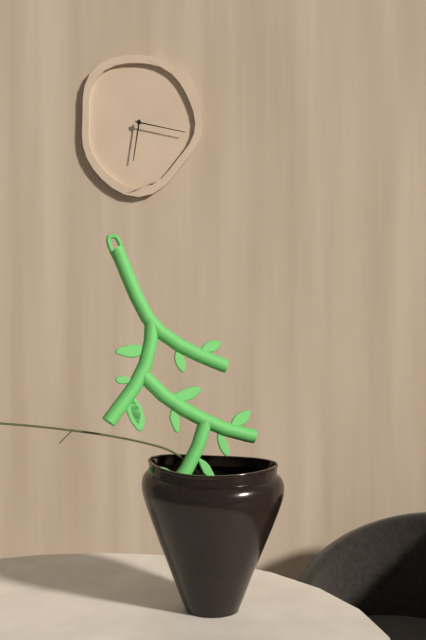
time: 6:17
